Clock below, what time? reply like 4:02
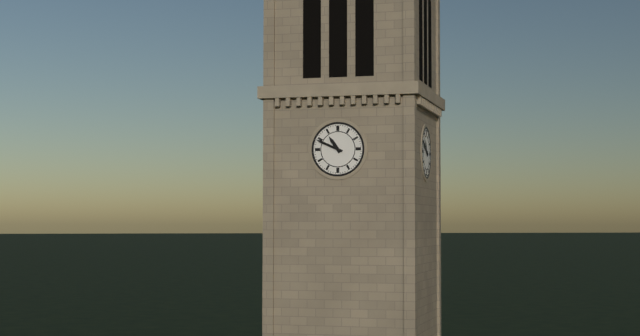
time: 10:49
